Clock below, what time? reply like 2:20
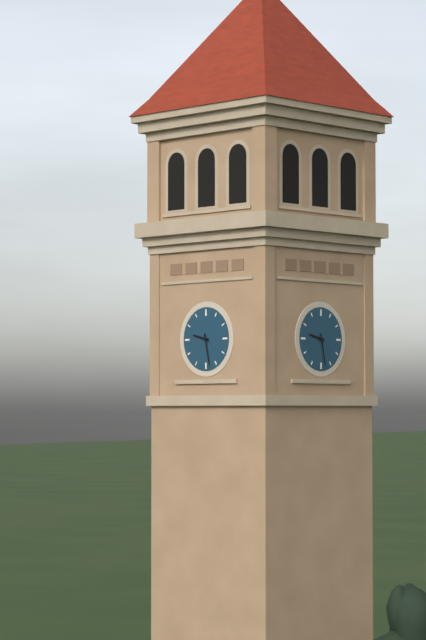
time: 9:28
